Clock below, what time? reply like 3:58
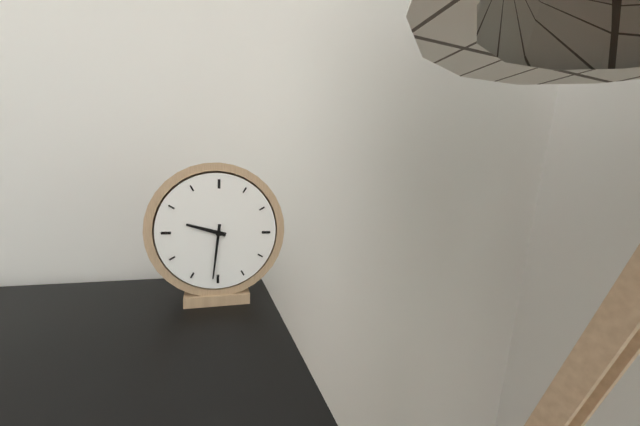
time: 9:31
